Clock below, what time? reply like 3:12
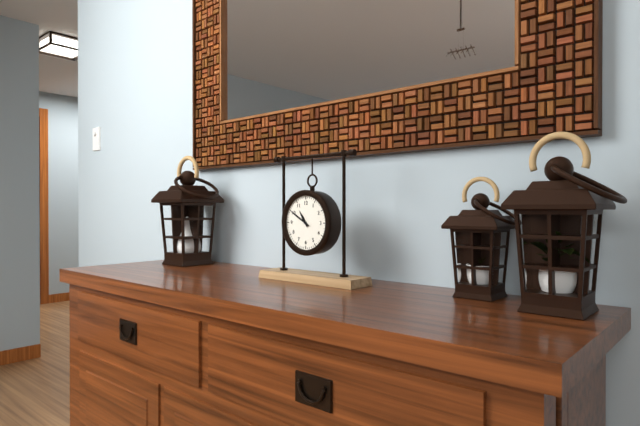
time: 10:50
